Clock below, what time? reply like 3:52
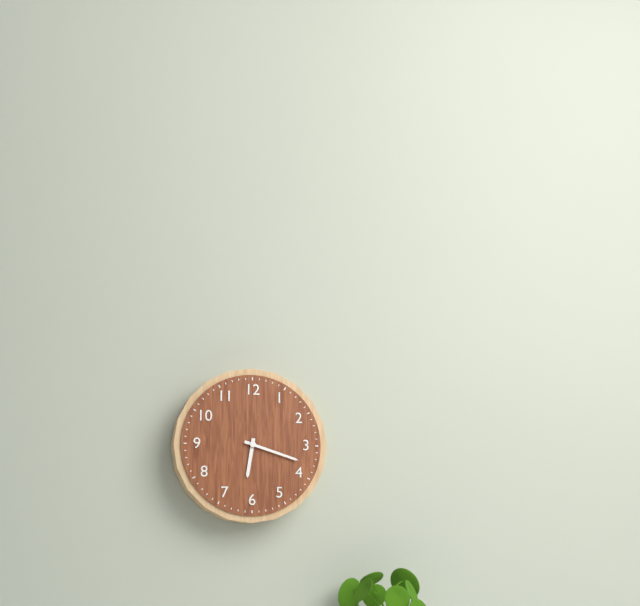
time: 6:18
